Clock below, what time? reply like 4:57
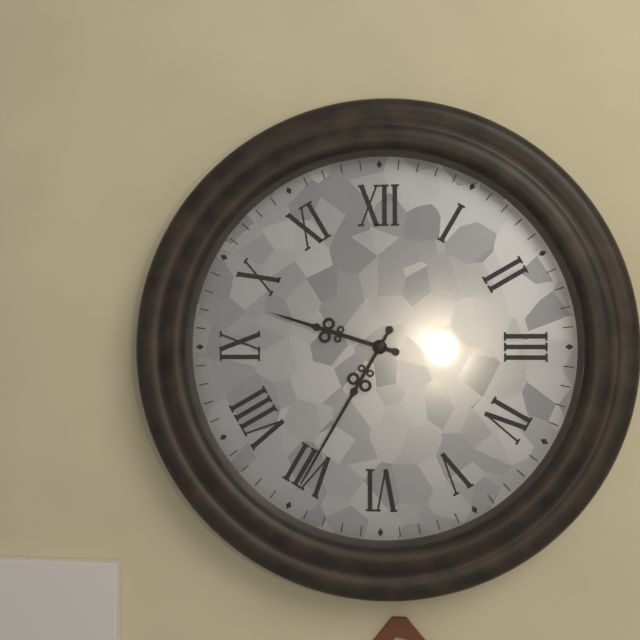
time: 9:35
